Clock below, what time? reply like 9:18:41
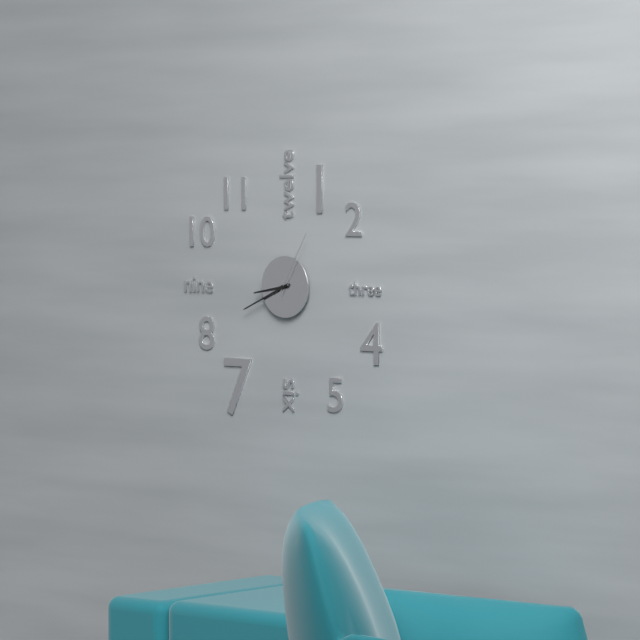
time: 8:41:05
